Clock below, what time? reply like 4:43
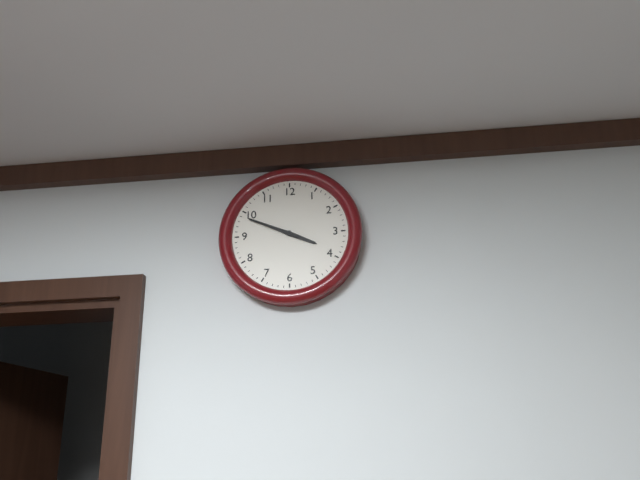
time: 3:49
